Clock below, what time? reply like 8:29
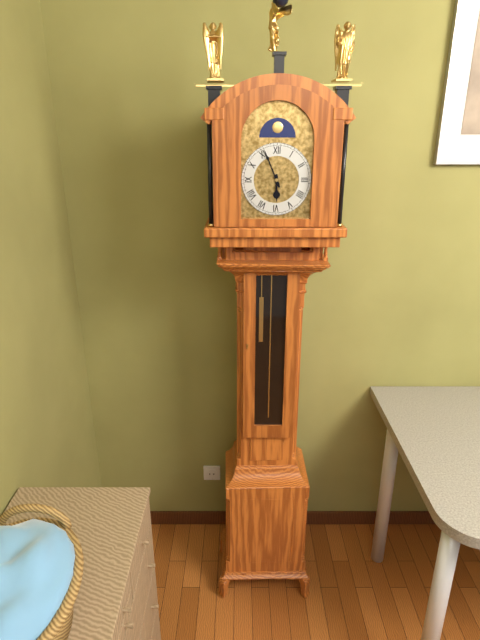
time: 5:56
